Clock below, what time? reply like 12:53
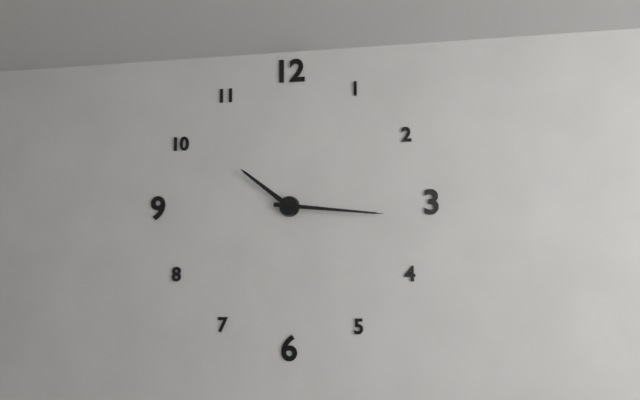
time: 10:16
